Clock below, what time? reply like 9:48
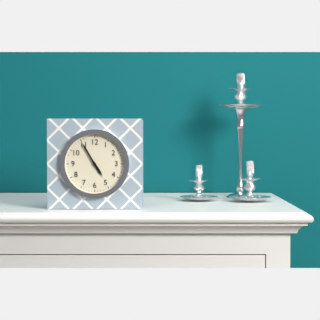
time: 4:55
